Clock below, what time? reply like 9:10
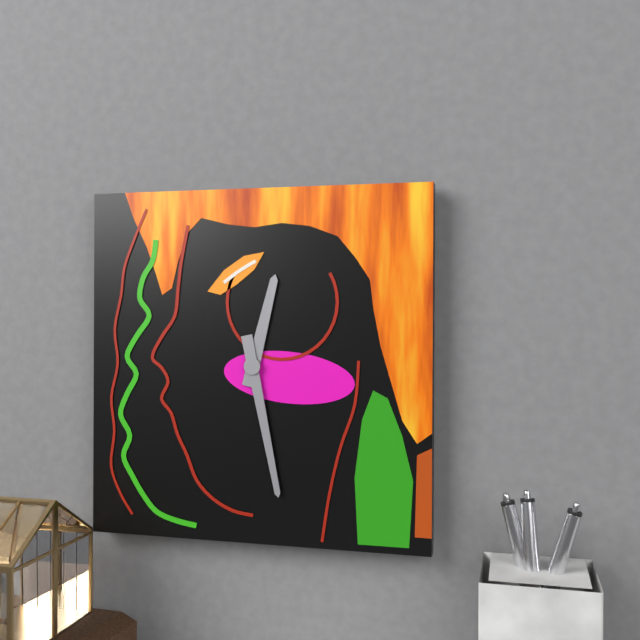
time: 12:28
